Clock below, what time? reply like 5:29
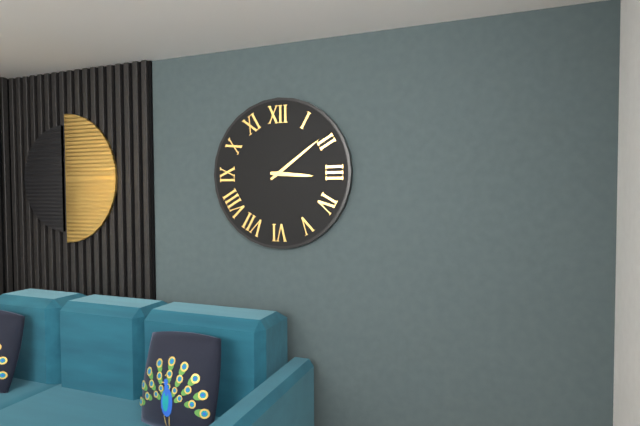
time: 3:09
